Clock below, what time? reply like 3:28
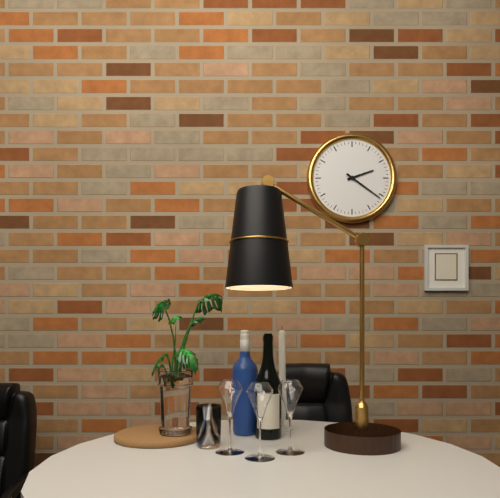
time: 2:21
